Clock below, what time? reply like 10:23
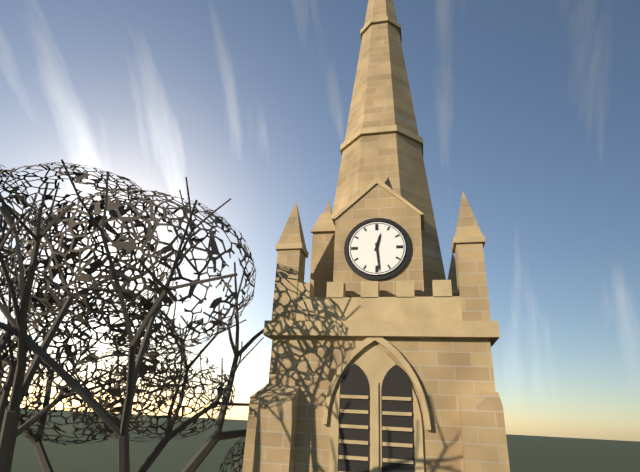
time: 12:29
